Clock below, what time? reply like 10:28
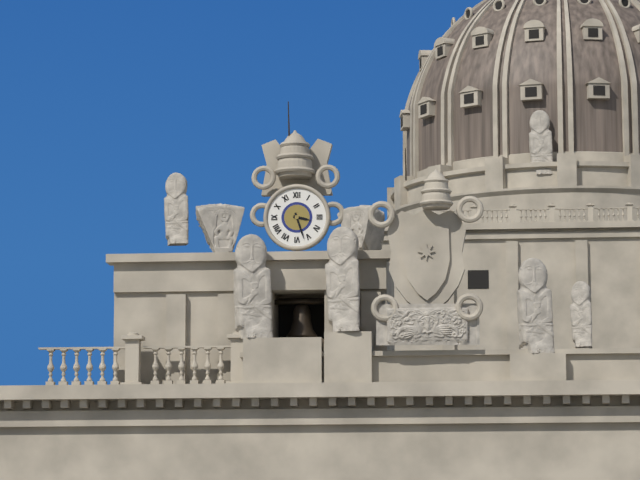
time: 3:27
